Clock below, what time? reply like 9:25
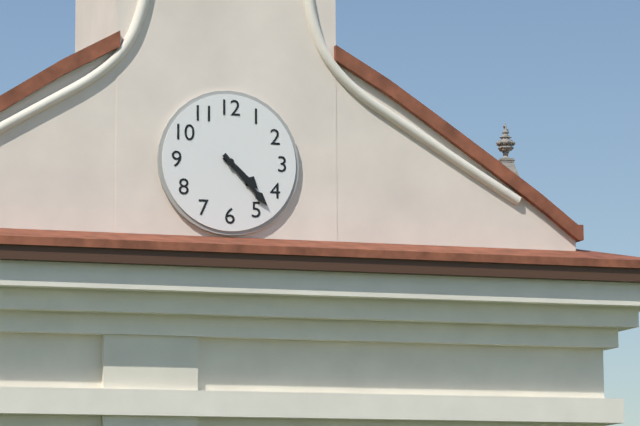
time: 4:23
